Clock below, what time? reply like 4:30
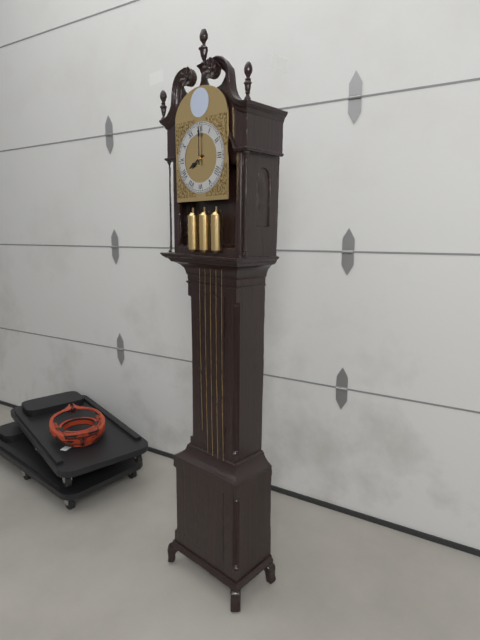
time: 8:00
